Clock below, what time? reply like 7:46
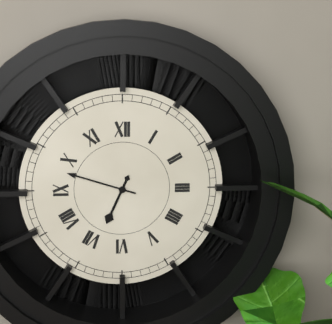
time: 6:48
